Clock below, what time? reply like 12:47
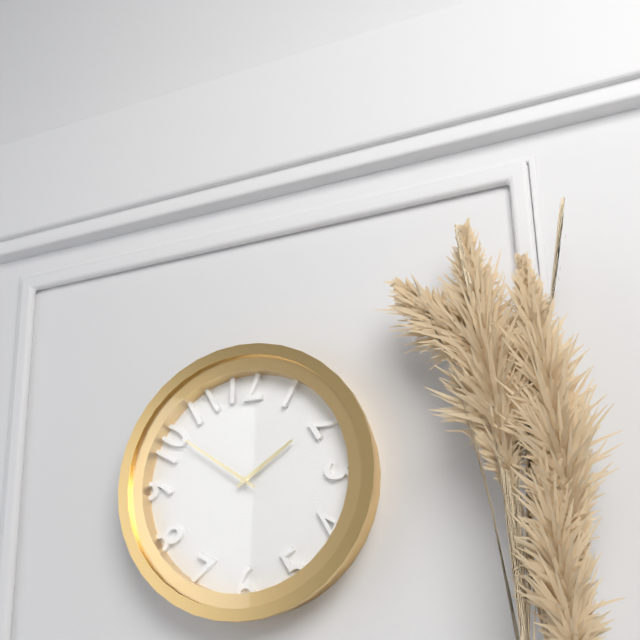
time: 1:51
